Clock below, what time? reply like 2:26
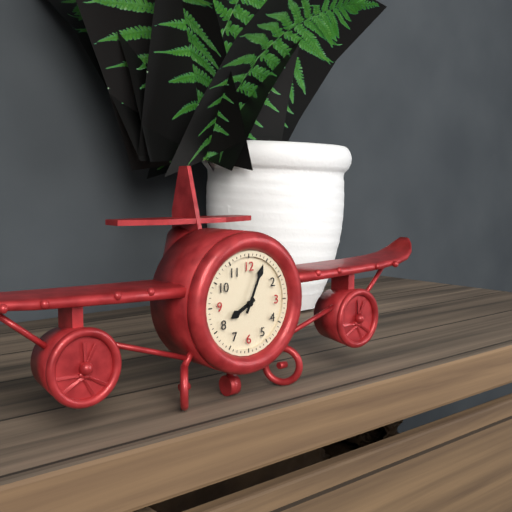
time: 8:04
